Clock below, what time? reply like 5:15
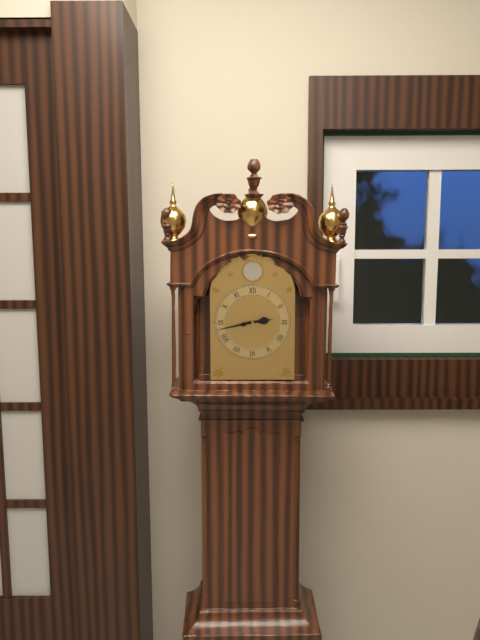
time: 2:43
